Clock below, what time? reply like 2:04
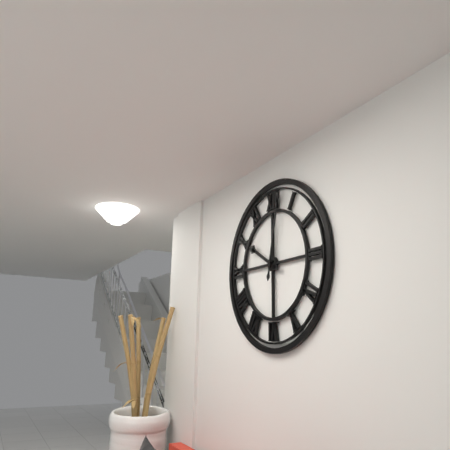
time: 10:02
